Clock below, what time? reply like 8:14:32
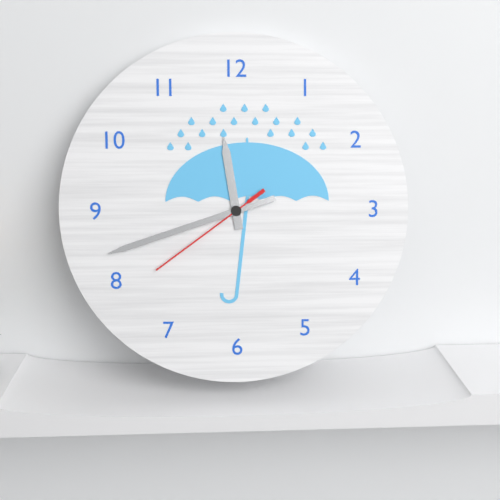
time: 11:42:39
